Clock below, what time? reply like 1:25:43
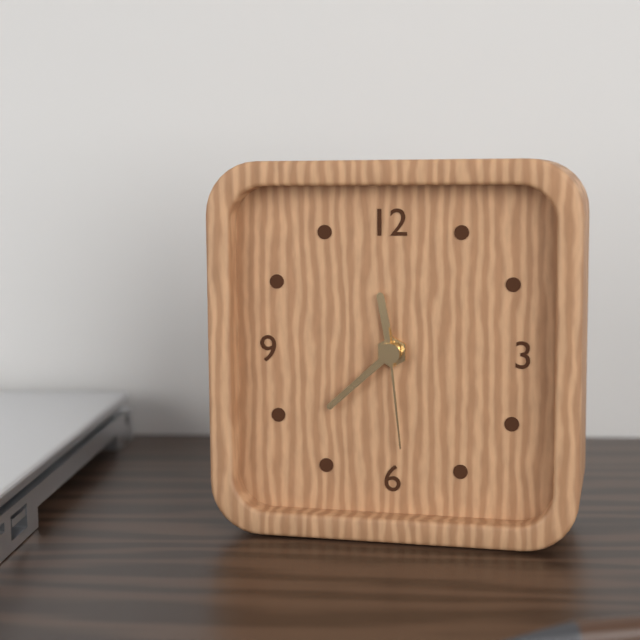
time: 11:38:29
